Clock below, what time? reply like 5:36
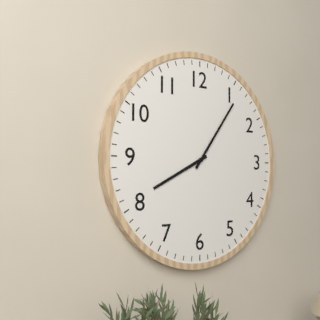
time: 8:06
